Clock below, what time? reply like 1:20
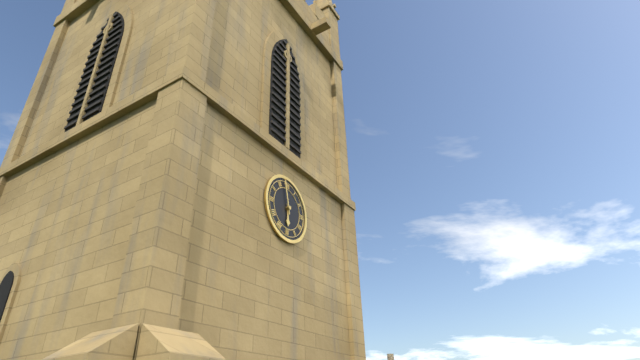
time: 5:58
